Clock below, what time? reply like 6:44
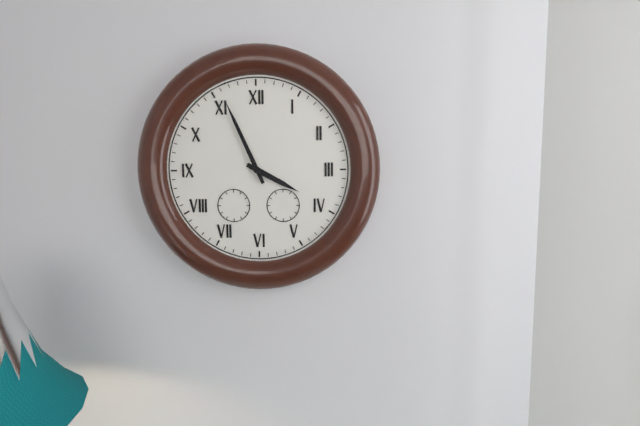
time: 3:56
